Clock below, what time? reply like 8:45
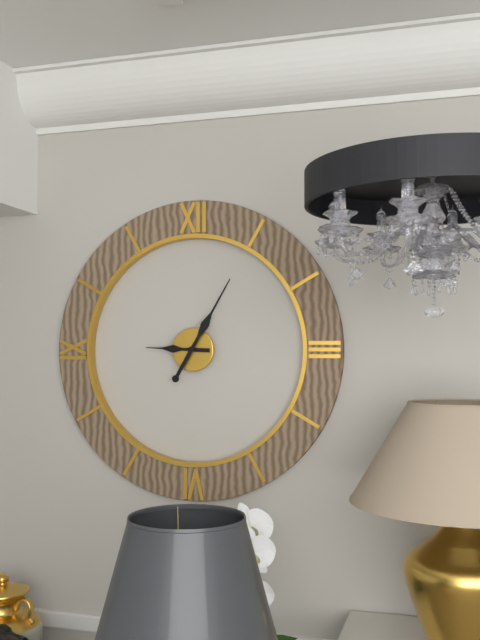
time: 9:05
